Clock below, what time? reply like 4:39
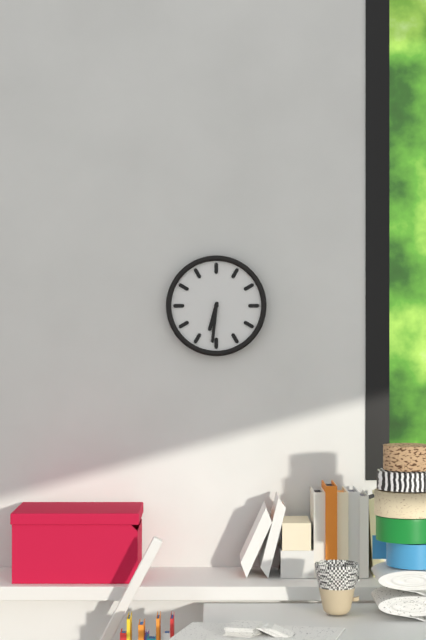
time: 6:31
